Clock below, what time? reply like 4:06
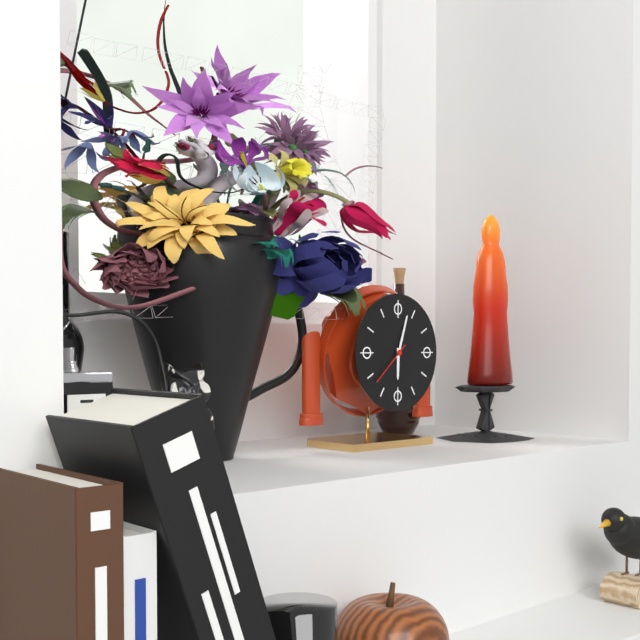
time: 6:03
